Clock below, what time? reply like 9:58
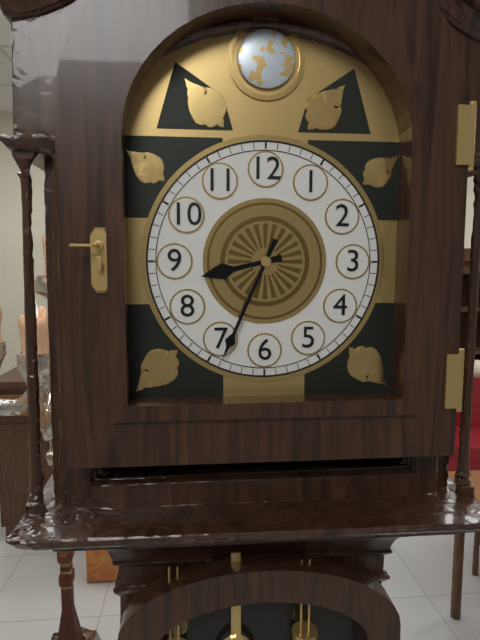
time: 8:34
